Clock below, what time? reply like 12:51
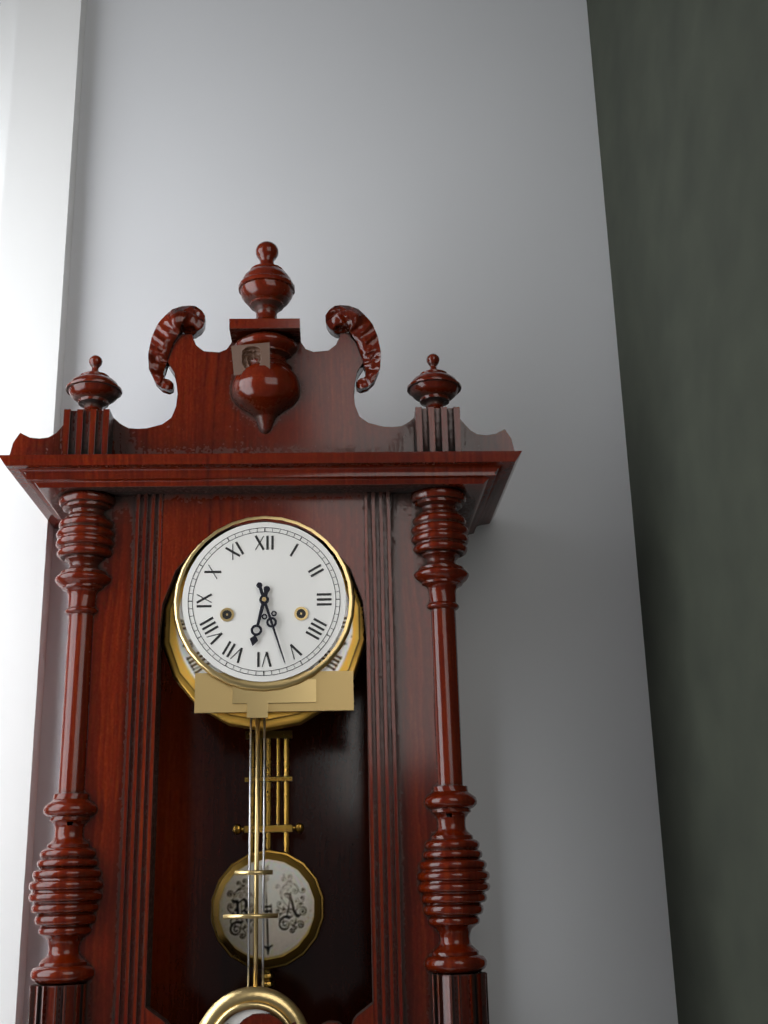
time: 6:27
